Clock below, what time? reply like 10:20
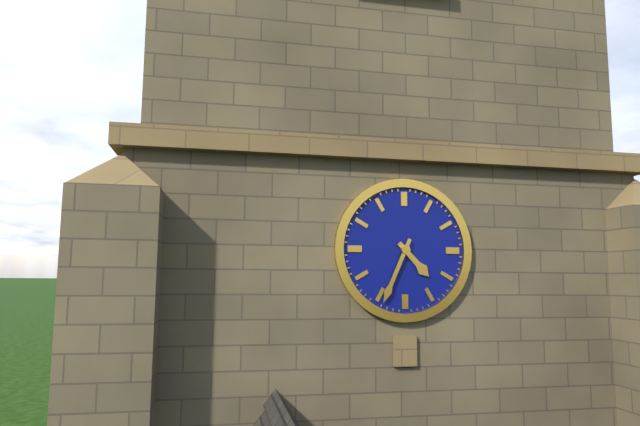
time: 4:34
